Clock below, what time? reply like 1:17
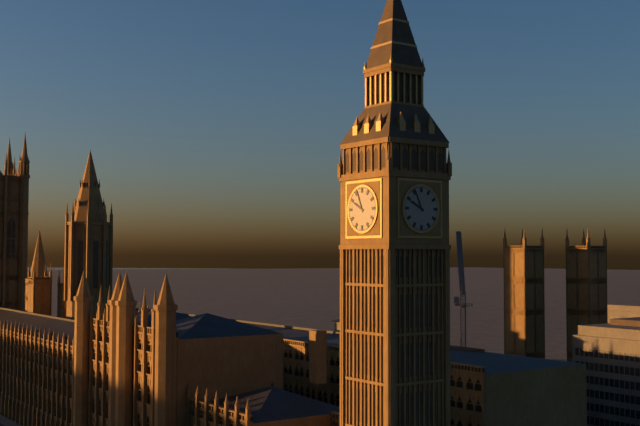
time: 9:56
